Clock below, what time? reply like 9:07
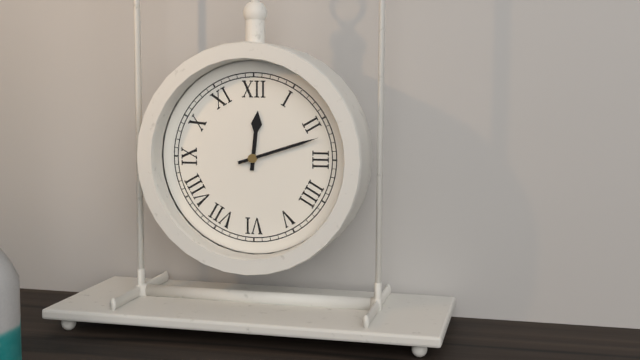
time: 12:12
